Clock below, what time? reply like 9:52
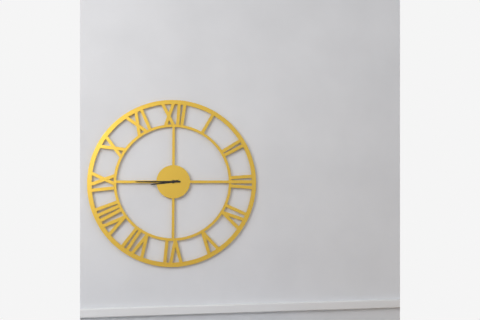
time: 8:45
